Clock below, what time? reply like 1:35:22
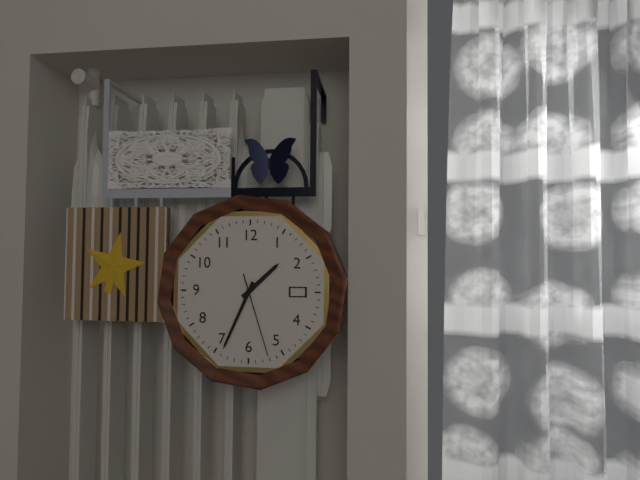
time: 1:34:27
